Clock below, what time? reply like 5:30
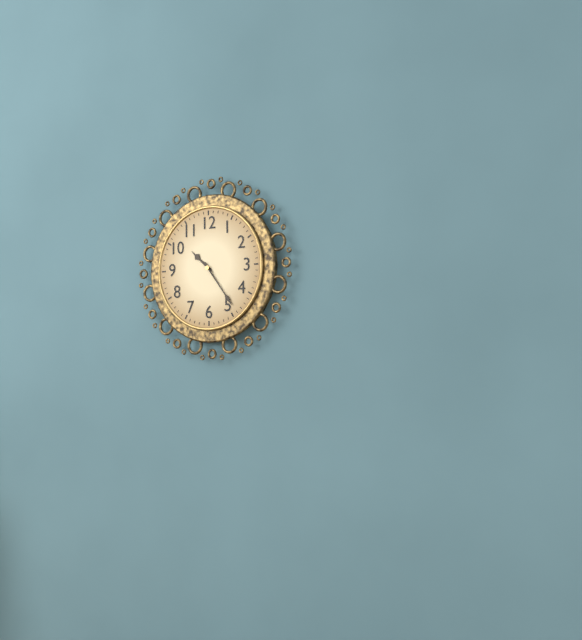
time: 10:24
